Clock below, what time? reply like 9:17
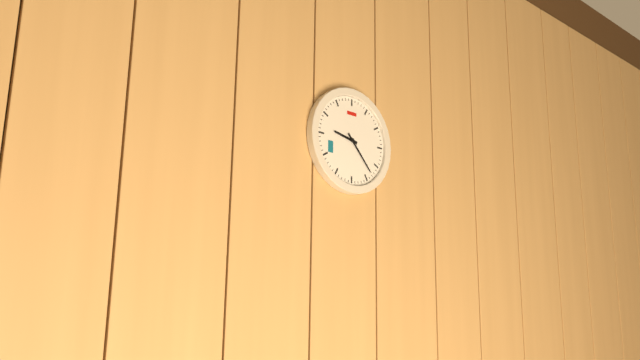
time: 9:23
